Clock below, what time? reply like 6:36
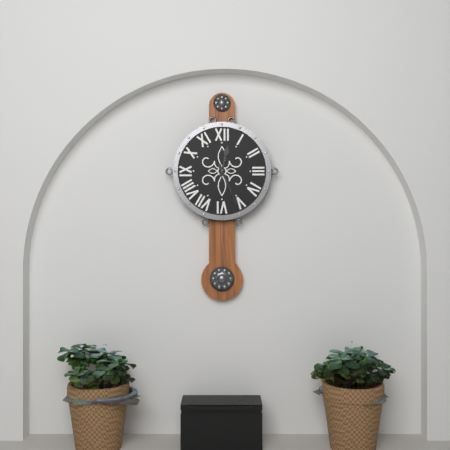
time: 12:26
